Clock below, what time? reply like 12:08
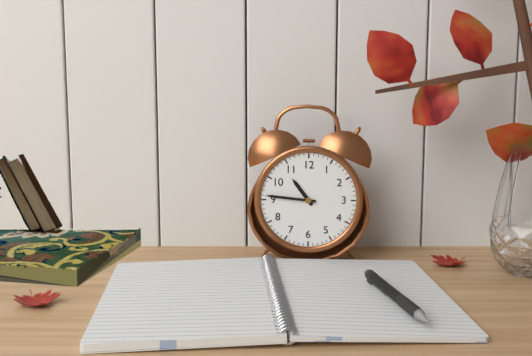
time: 10:46
